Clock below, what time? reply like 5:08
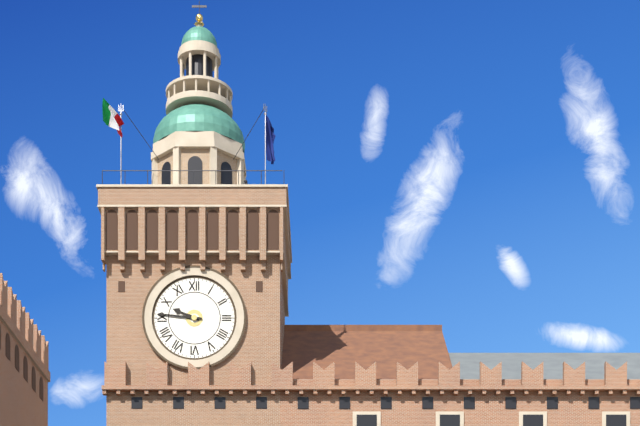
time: 9:46
